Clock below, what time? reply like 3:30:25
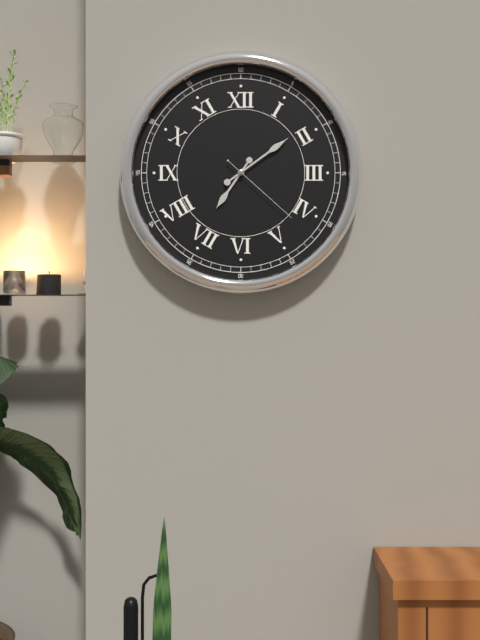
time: 7:09:22
